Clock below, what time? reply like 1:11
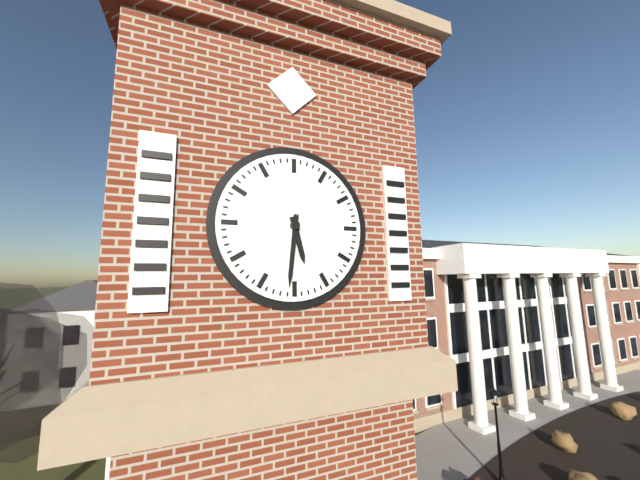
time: 5:31
